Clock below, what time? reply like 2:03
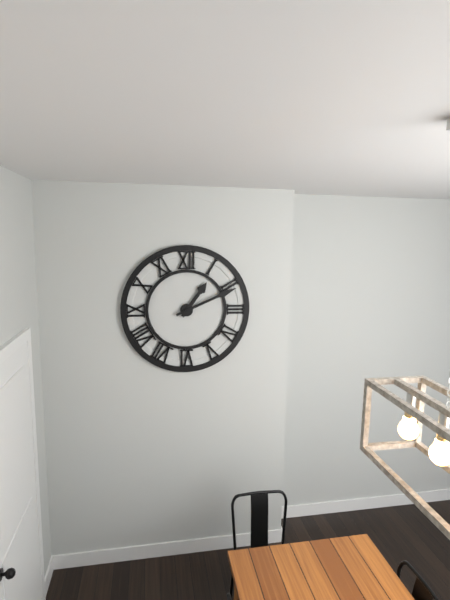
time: 1:11
